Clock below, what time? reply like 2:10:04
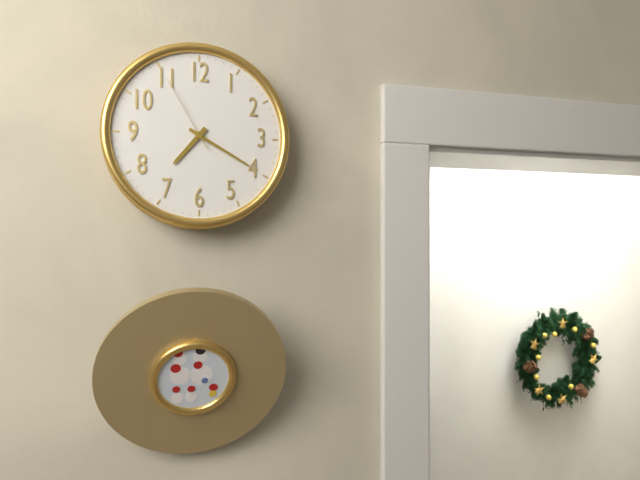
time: 7:20:55
